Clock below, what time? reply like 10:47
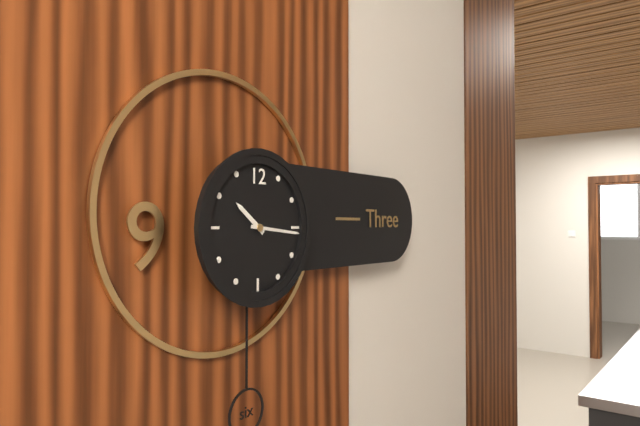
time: 10:16
